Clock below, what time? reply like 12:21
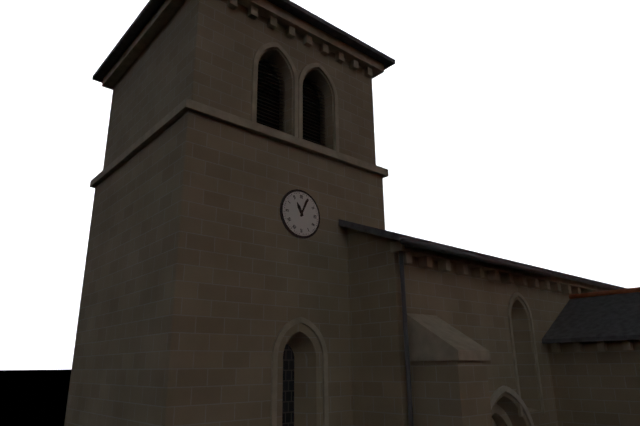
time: 11:04
